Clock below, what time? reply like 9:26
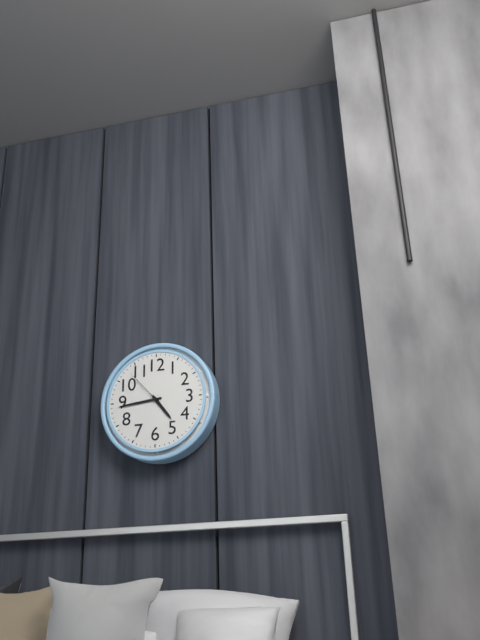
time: 4:44
